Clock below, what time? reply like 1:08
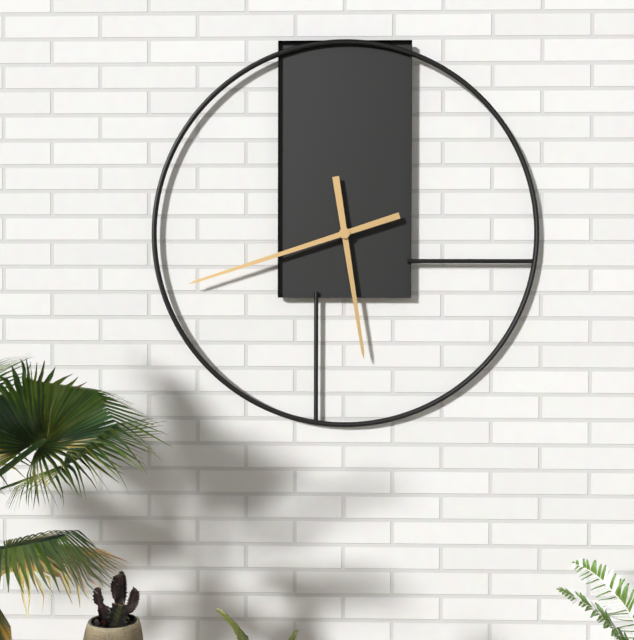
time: 5:42
